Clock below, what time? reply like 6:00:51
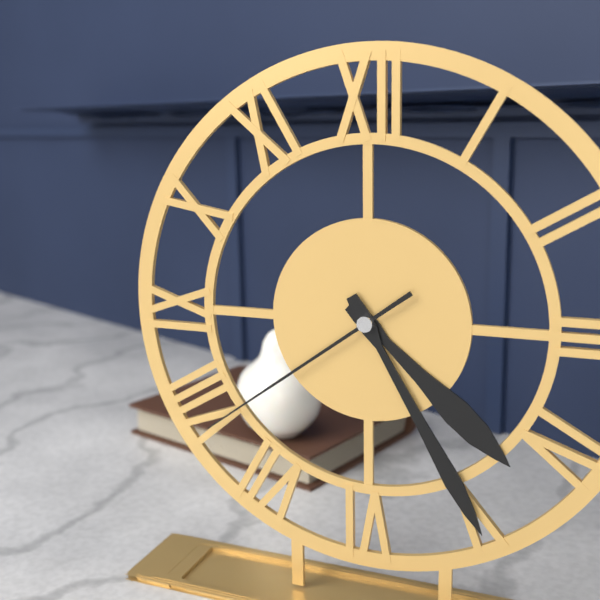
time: 4:25:39
